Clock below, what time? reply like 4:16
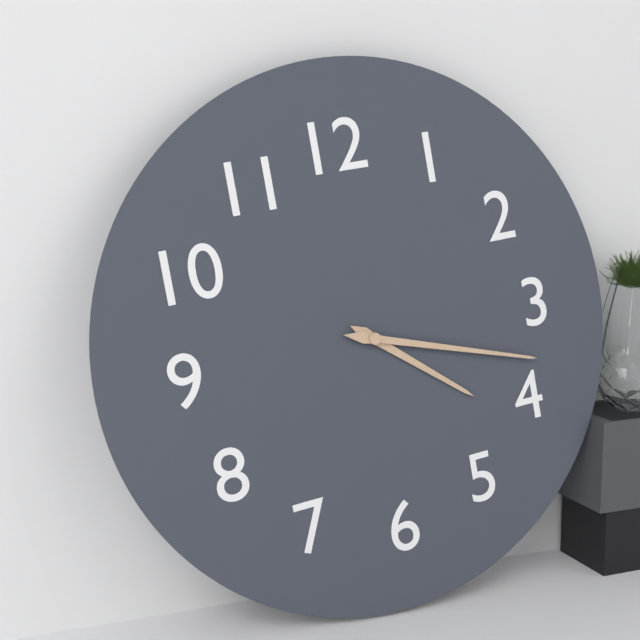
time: 4:18
